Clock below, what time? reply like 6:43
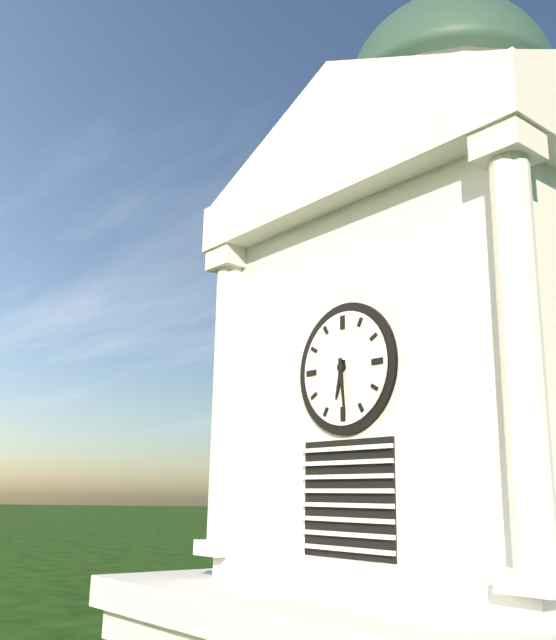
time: 6:29
